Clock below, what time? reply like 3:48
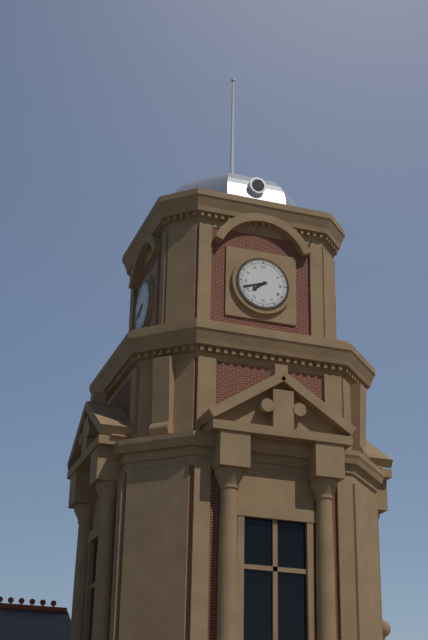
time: 7:42
